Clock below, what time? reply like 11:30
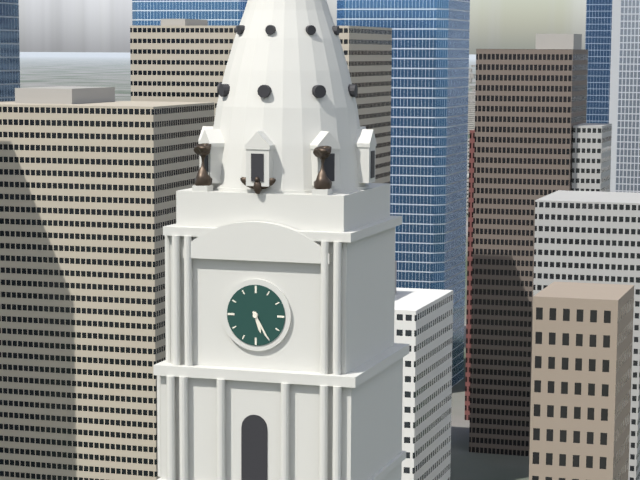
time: 5:25
